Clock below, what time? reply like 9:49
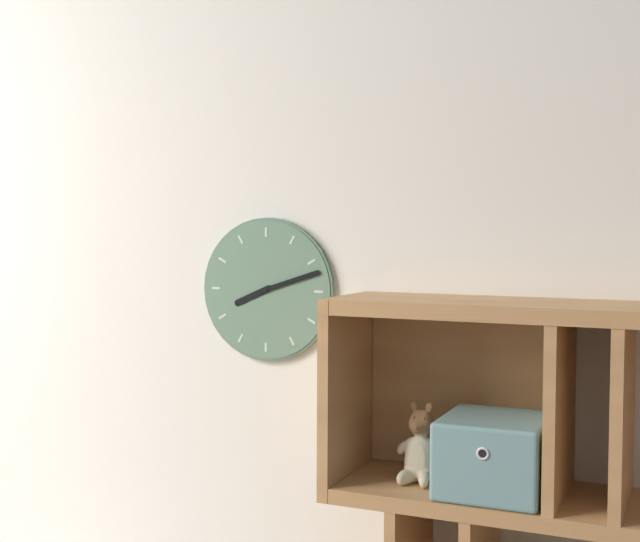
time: 8:12
